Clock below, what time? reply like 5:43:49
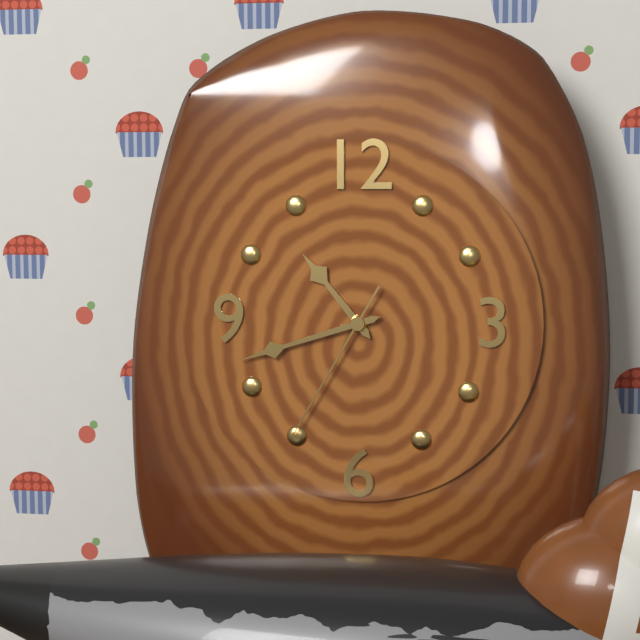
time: 10:42:35
